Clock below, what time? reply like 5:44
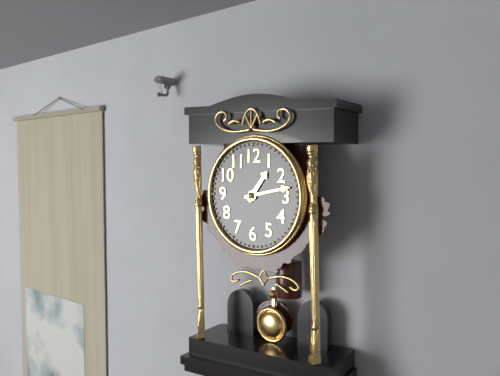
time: 1:13
